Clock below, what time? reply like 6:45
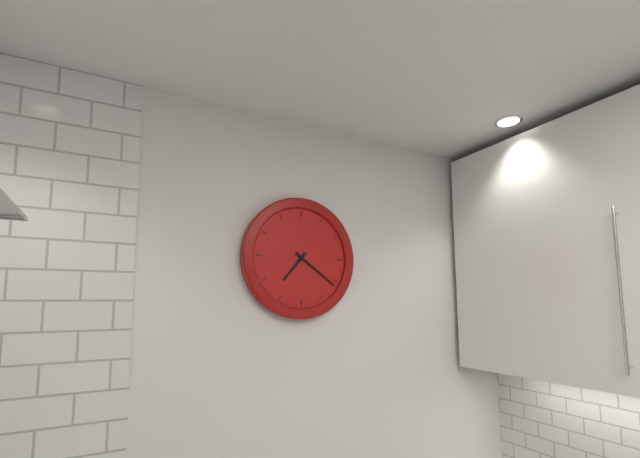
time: 7:21
